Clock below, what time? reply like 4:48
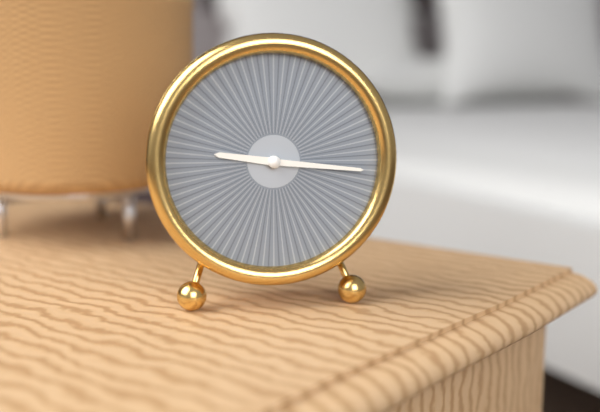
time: 9:16
